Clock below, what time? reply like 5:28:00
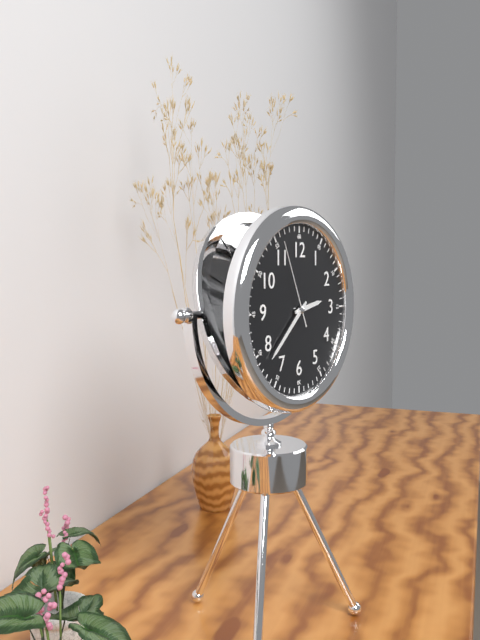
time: 2:38:56
